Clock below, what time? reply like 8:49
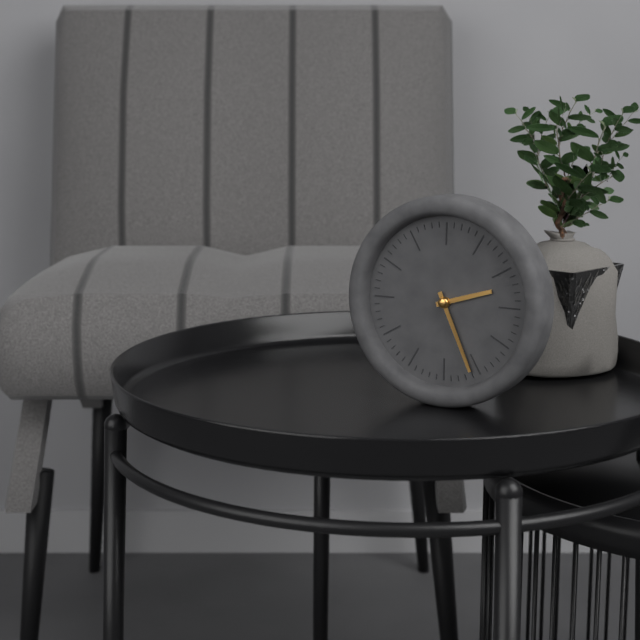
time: 2:26
